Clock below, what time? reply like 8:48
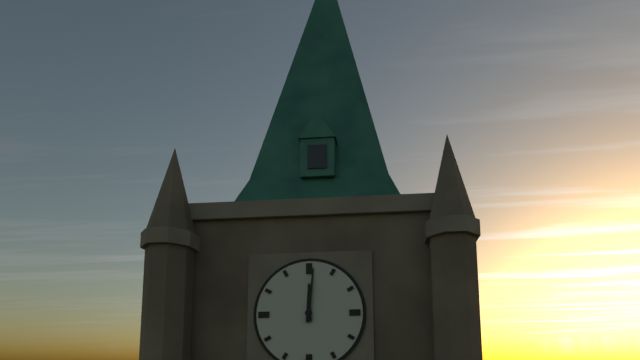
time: 12:01
